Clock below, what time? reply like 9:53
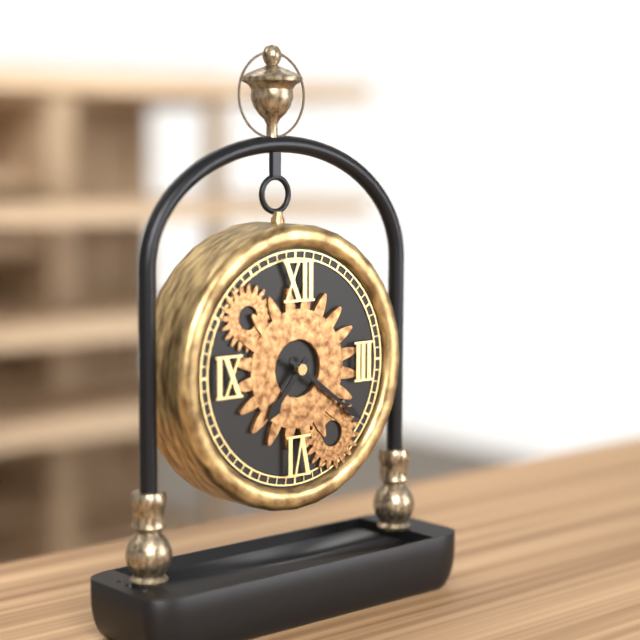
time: 7:21
